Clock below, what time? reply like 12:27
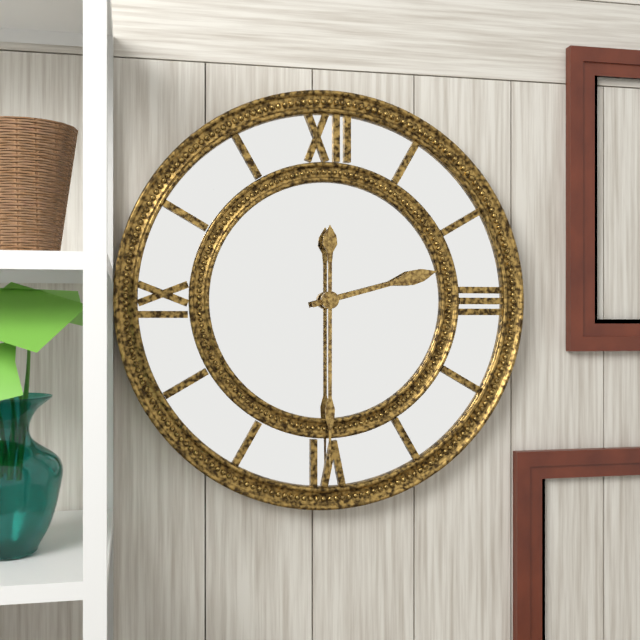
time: 2:30
